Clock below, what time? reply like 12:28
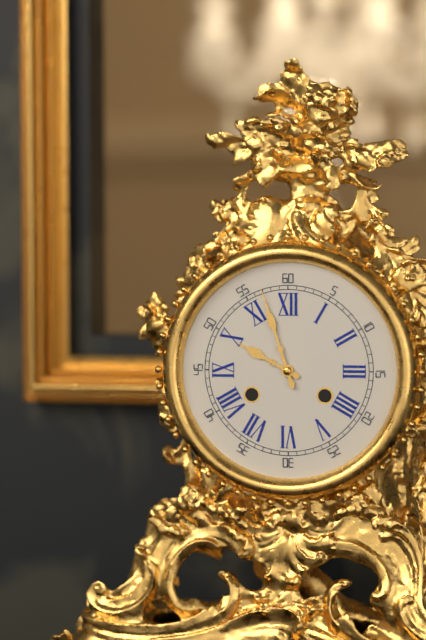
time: 9:57
